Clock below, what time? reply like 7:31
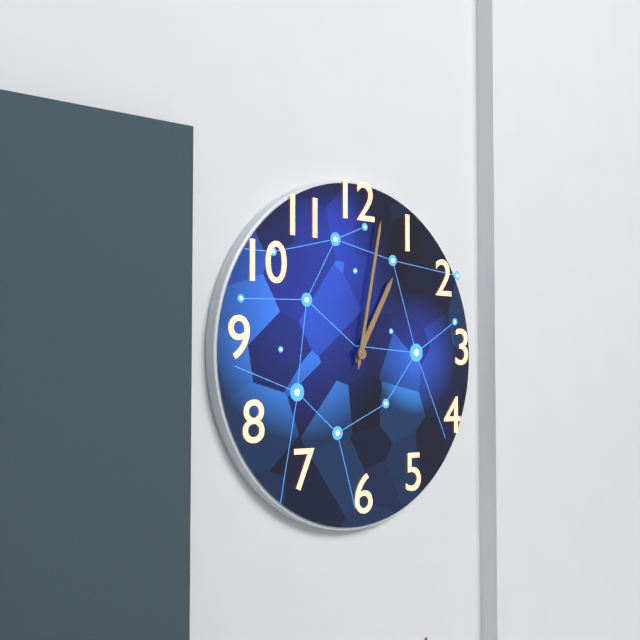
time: 1:02
